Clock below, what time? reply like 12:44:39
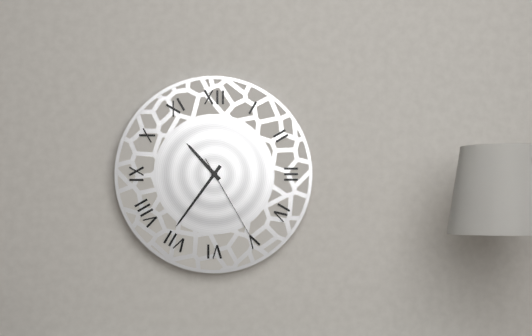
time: 10:36:25
